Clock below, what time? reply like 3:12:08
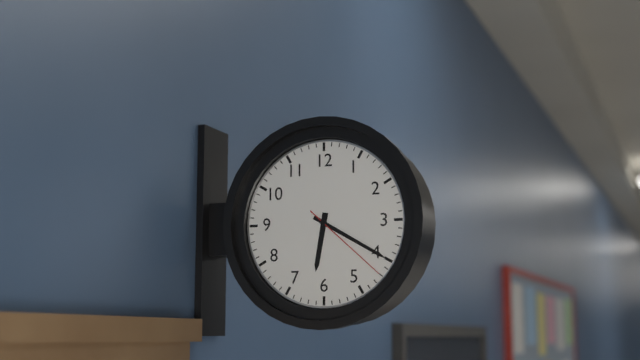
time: 6:20:22
